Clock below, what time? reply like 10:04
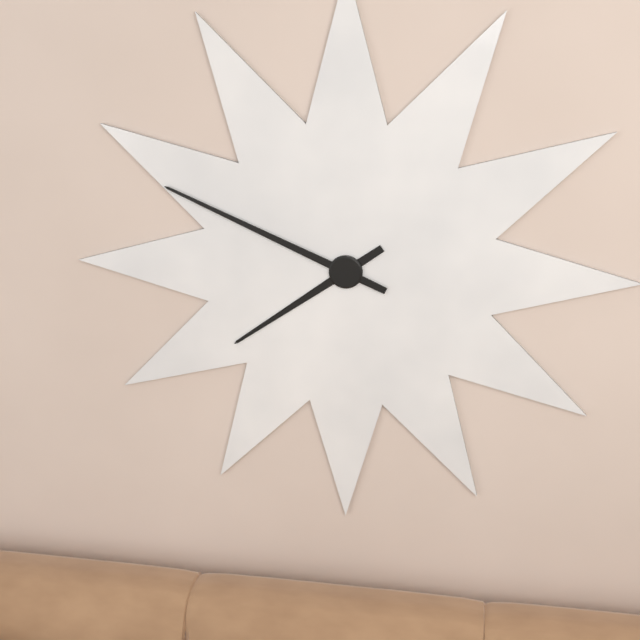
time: 7:49
